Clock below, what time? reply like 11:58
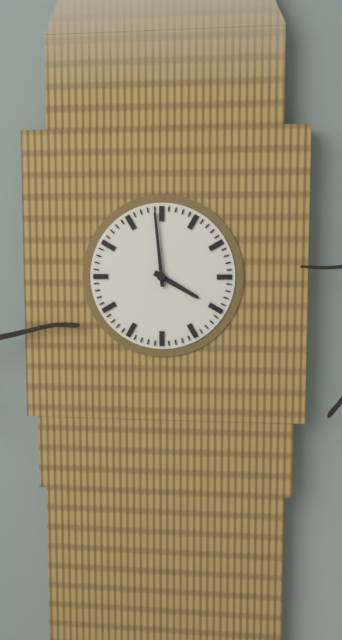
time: 3:59
